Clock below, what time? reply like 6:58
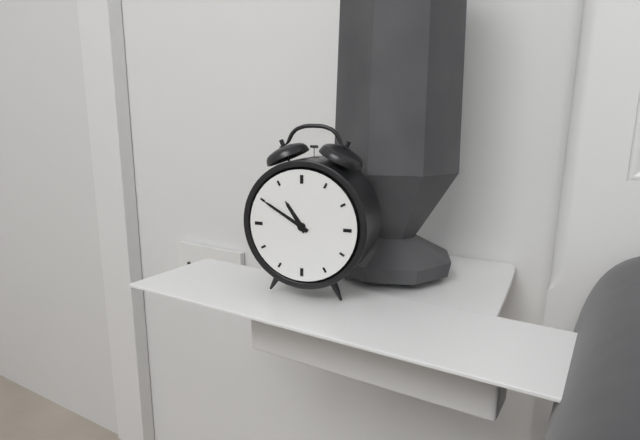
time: 10:50
